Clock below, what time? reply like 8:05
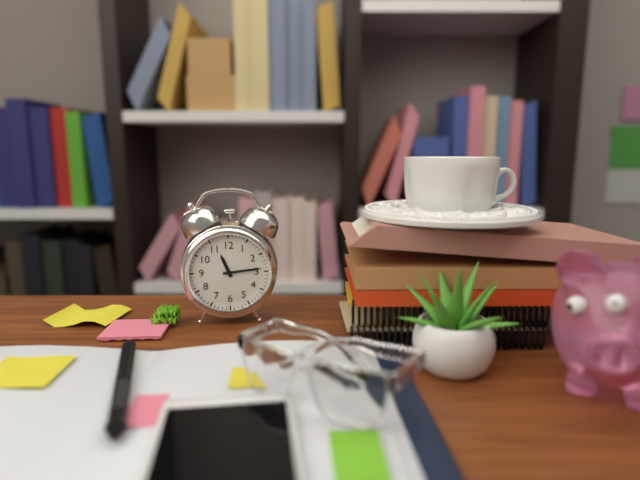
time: 11:14
